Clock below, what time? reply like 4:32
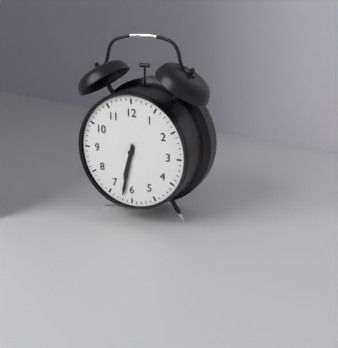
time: 6:32
